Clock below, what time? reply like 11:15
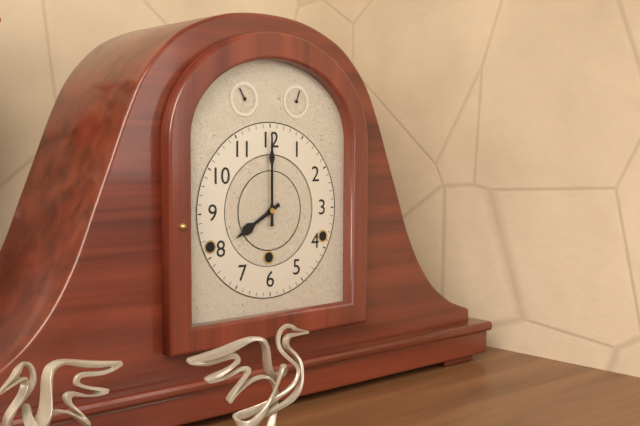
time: 8:00
